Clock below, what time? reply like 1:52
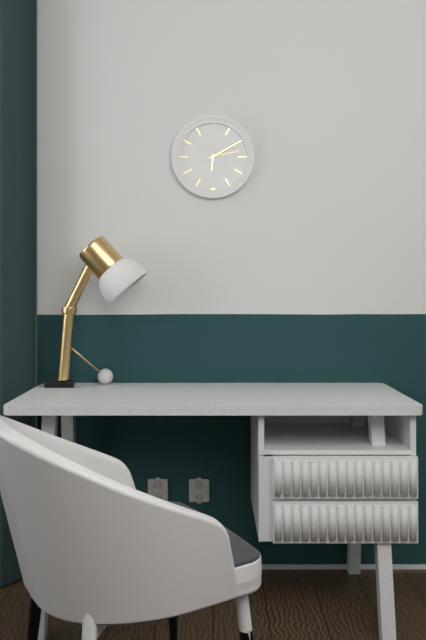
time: 6:10
